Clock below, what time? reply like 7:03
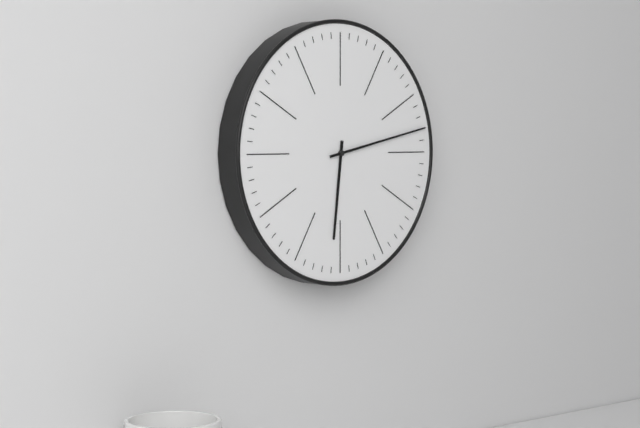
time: 6:13
